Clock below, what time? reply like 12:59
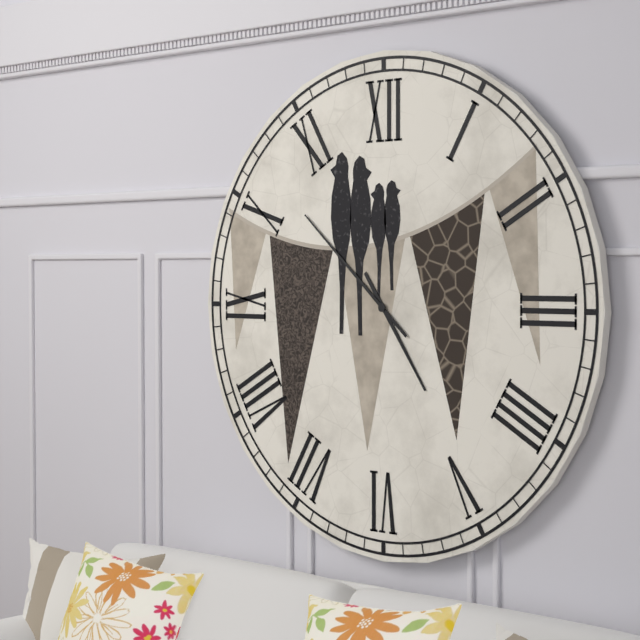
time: 4:52
